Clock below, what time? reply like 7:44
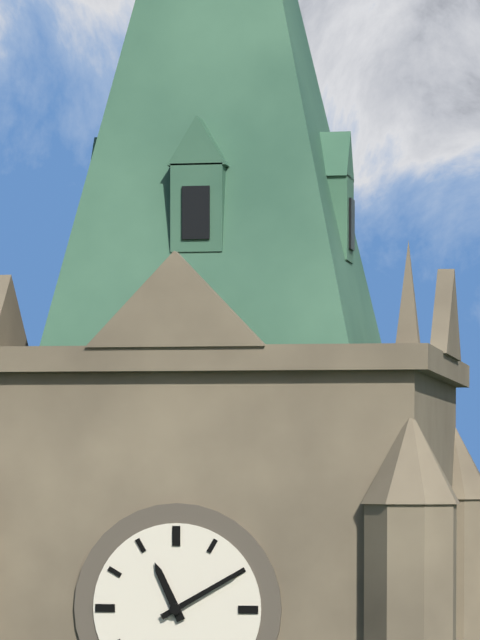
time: 11:10
